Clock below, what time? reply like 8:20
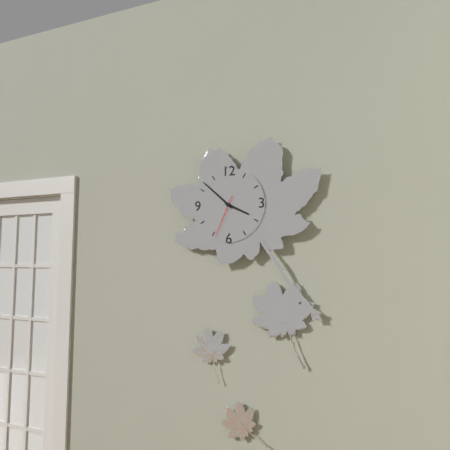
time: 3:52
